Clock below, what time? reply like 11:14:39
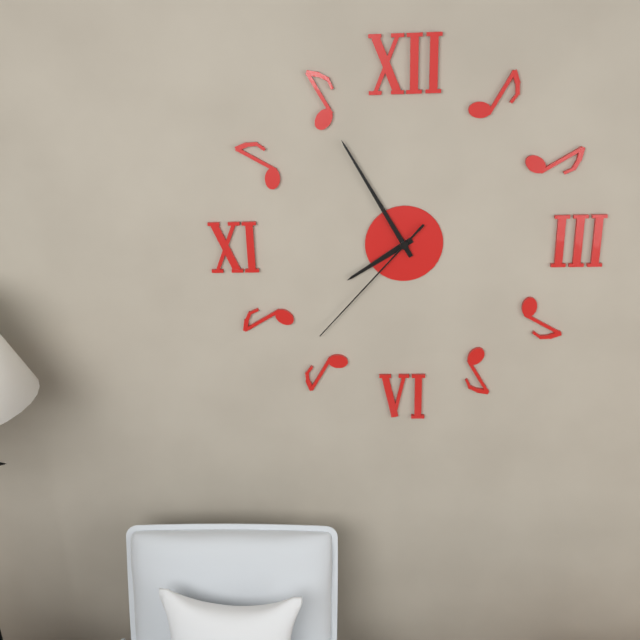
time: 7:55:37
